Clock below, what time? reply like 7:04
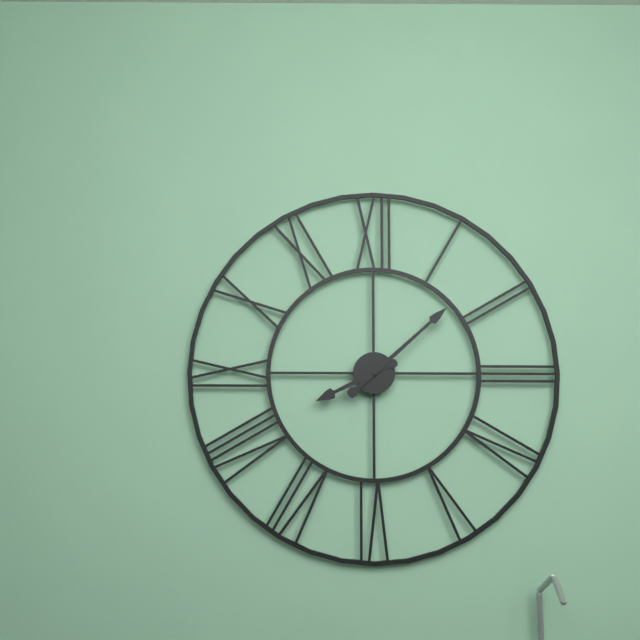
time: 8:08
